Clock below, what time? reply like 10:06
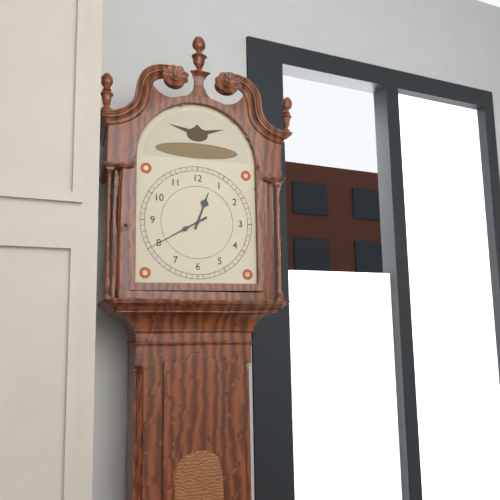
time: 12:40
